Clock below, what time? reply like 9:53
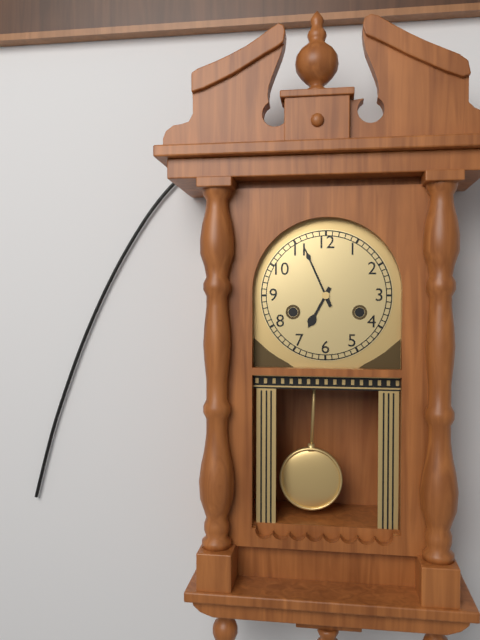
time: 6:56
